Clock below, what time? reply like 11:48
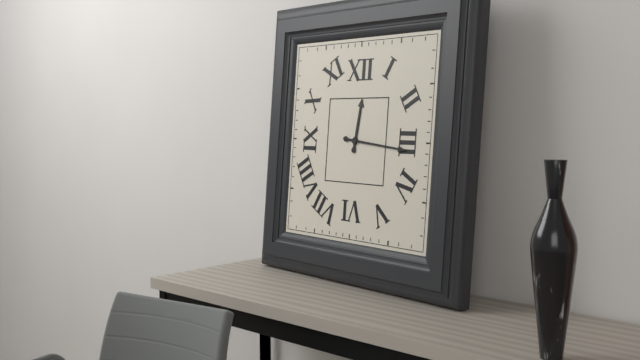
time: 12:16
